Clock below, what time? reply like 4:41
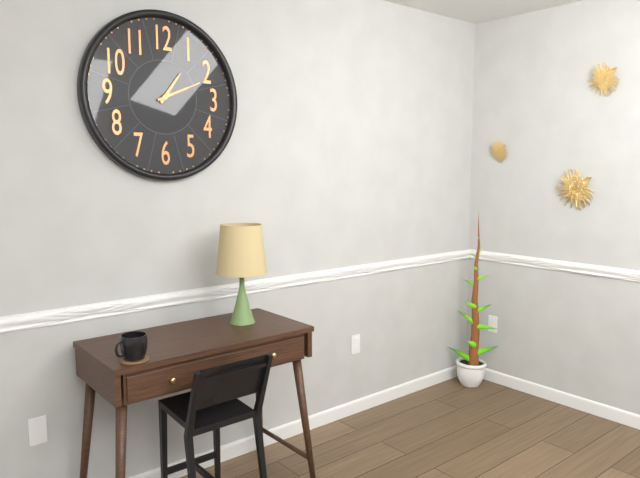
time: 1:11
